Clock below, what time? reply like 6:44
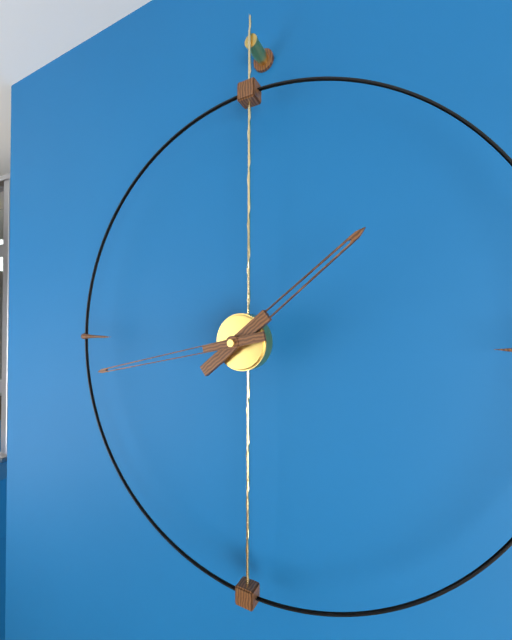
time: 1:43
